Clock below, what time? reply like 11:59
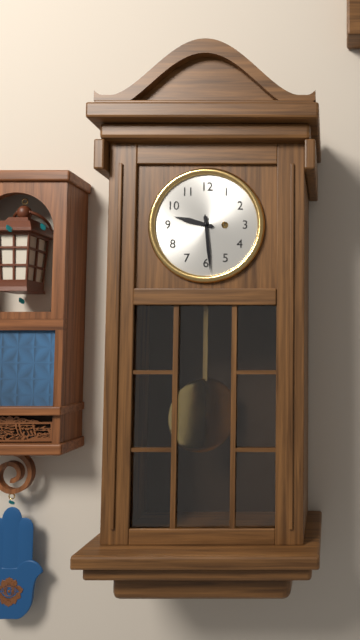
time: 9:29
